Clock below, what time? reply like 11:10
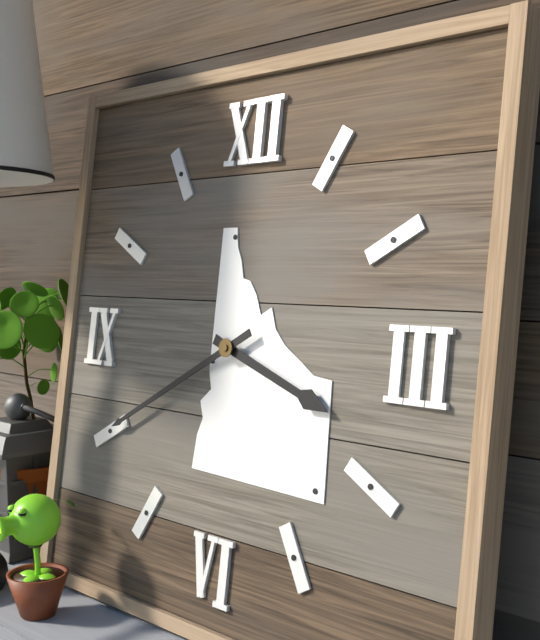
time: 3:40
